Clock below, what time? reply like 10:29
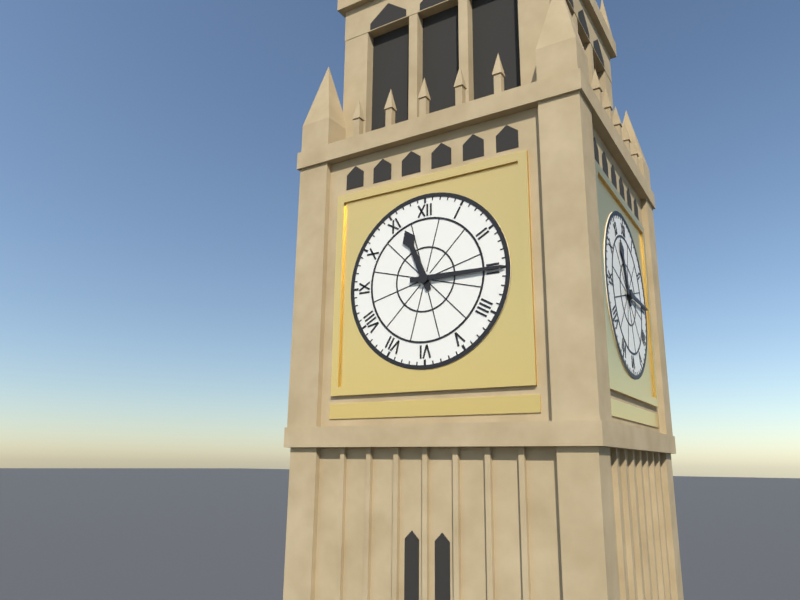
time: 11:15
